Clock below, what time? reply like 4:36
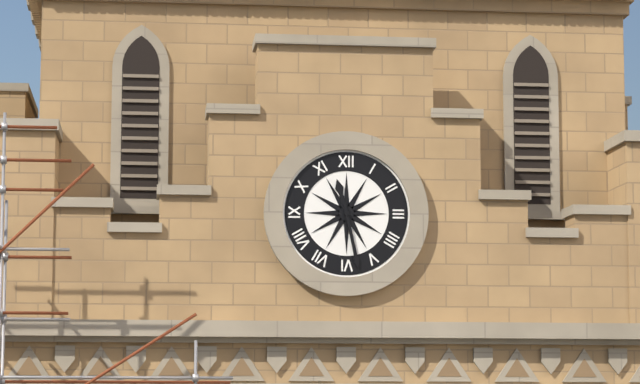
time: 11:28
